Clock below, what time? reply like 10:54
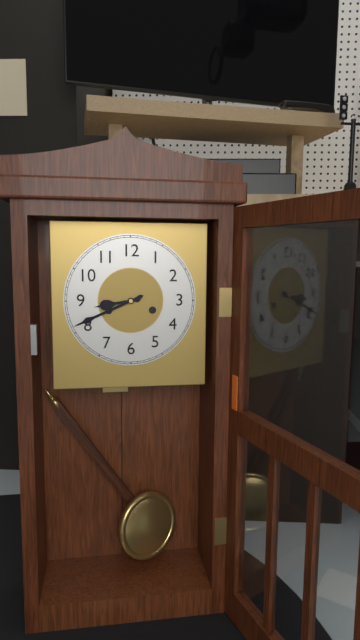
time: 8:41
